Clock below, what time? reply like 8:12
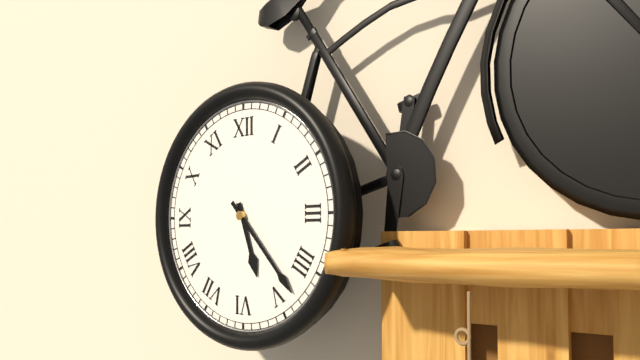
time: 5:23
